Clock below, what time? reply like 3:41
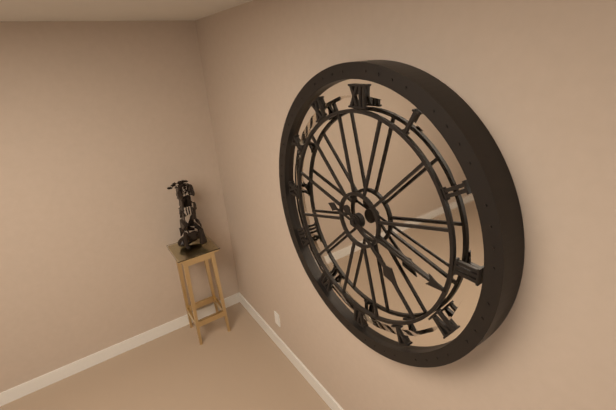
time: 4:17
